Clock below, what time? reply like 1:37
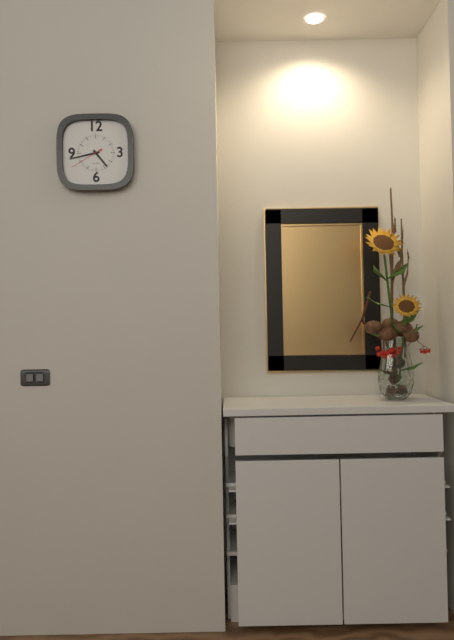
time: 4:43
